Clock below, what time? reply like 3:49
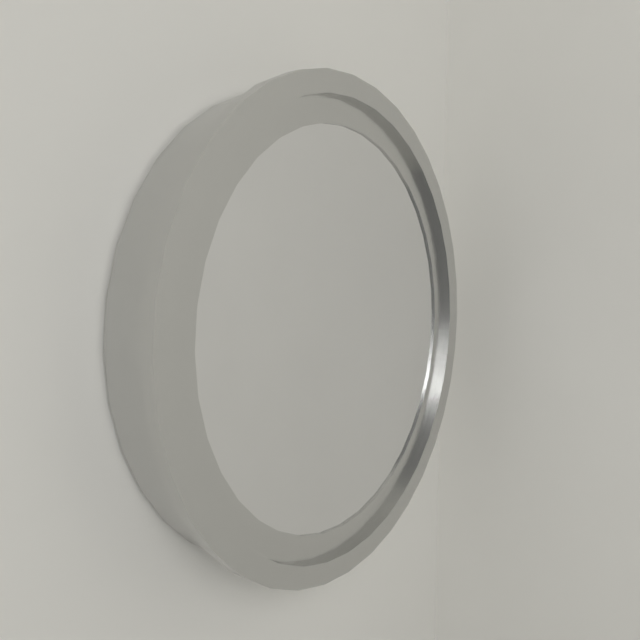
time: 8:52
